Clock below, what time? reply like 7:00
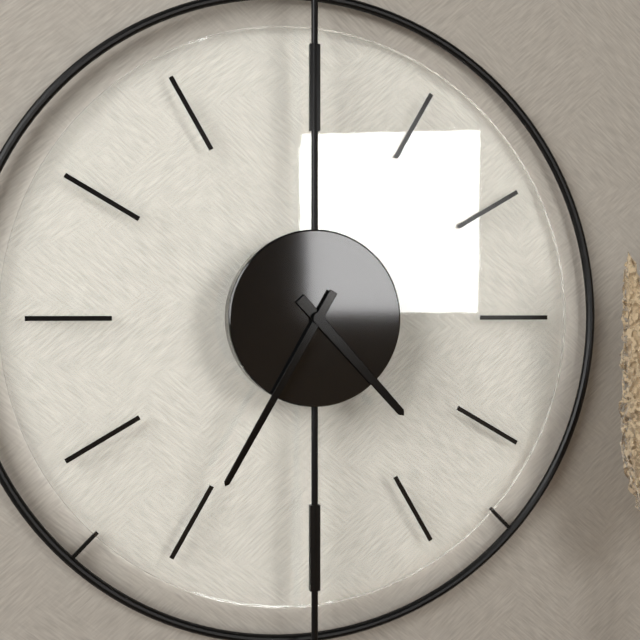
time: 4:35
